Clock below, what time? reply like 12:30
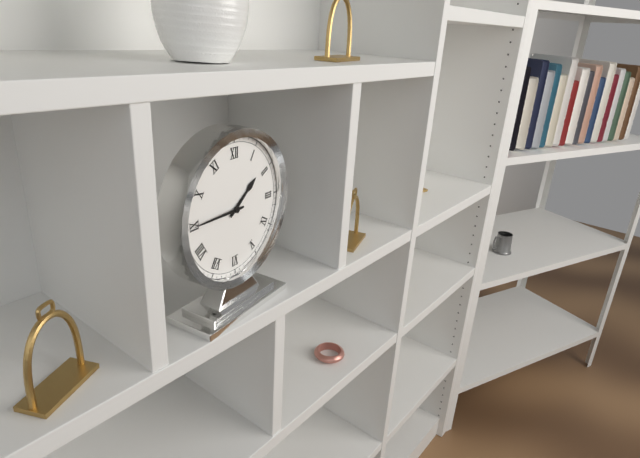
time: 1:45
